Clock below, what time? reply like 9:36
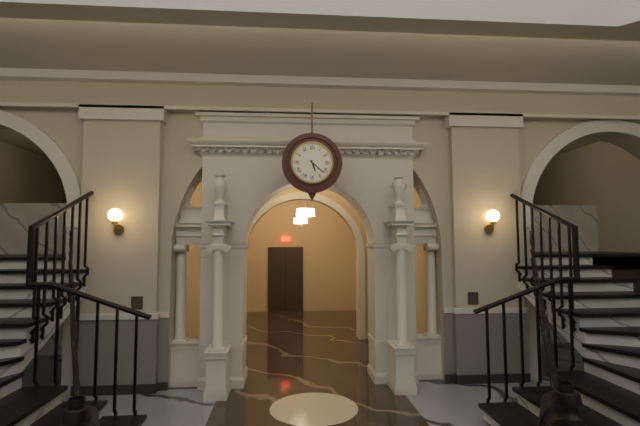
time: 5:22
